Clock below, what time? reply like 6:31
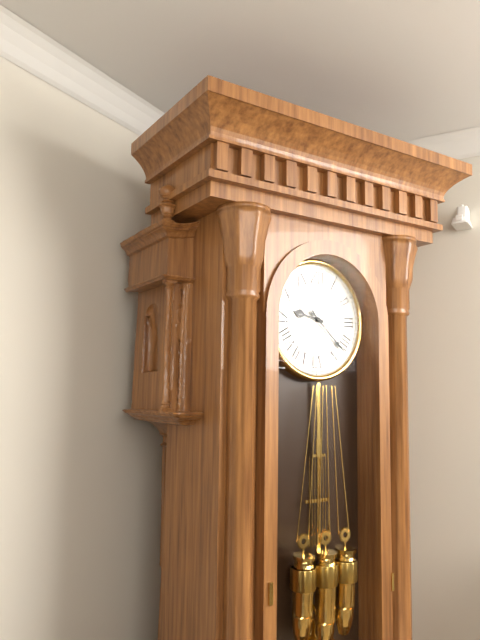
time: 9:22
